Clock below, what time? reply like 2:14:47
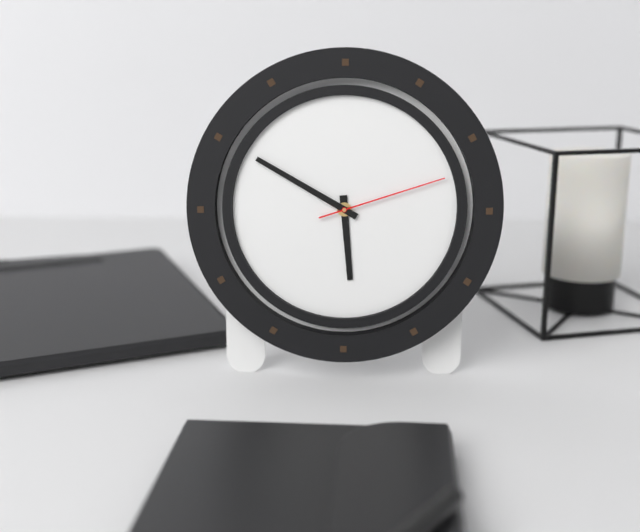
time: 5:50:12
